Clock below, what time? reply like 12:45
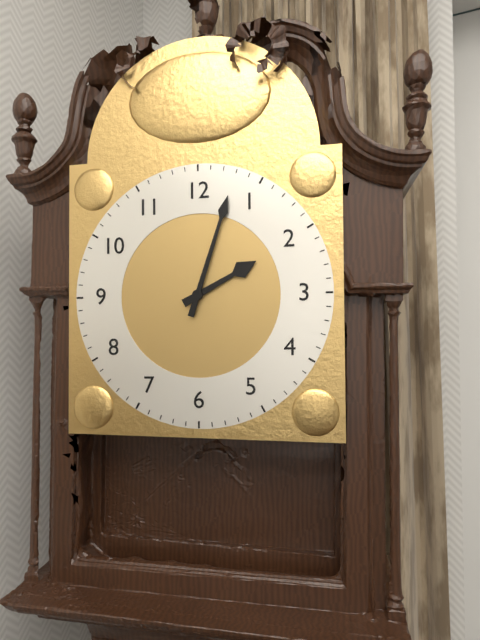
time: 2:03
